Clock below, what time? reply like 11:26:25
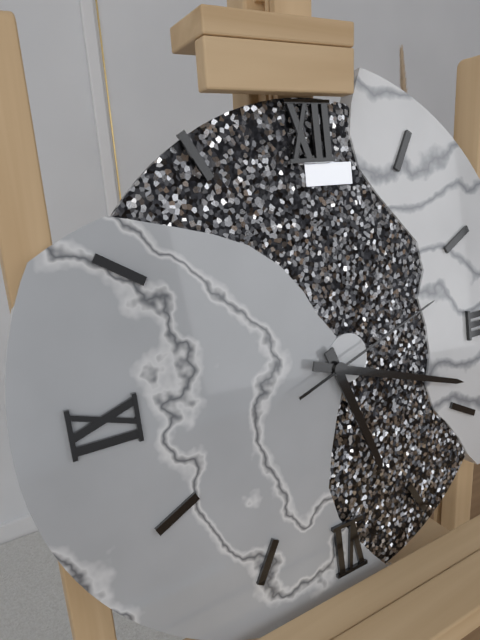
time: 5:18:12
